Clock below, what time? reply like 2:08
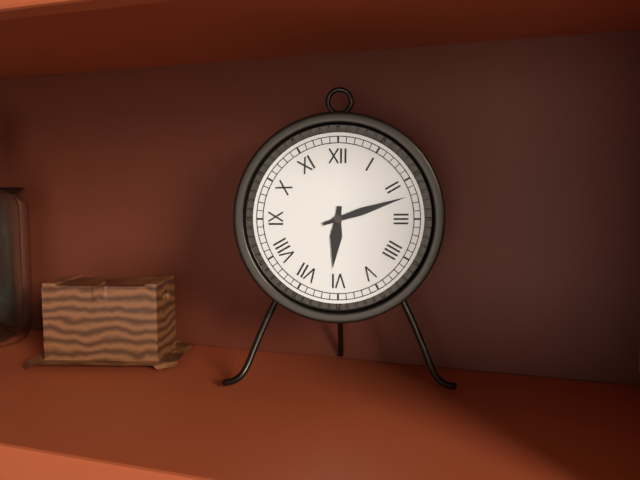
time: 6:12
